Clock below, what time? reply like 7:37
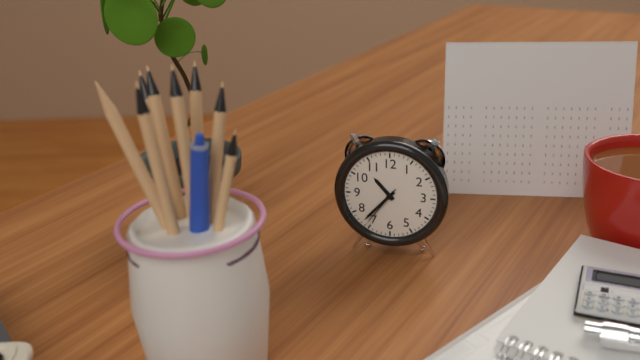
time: 10:37
